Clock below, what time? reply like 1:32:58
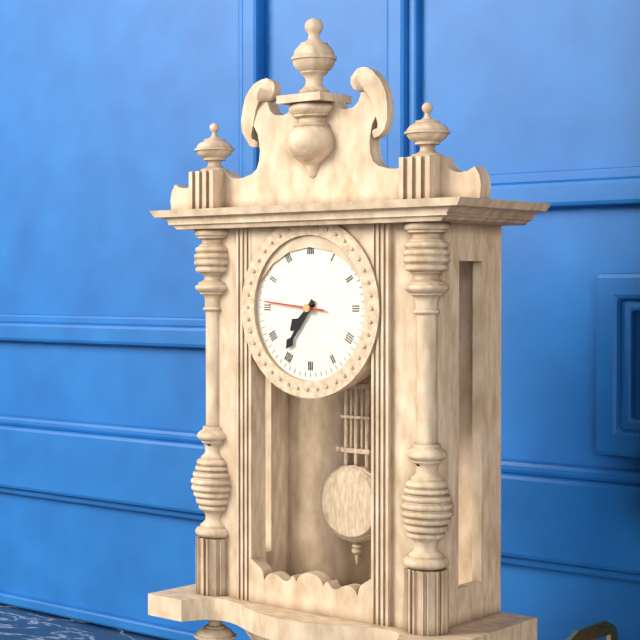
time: 7:36:46
